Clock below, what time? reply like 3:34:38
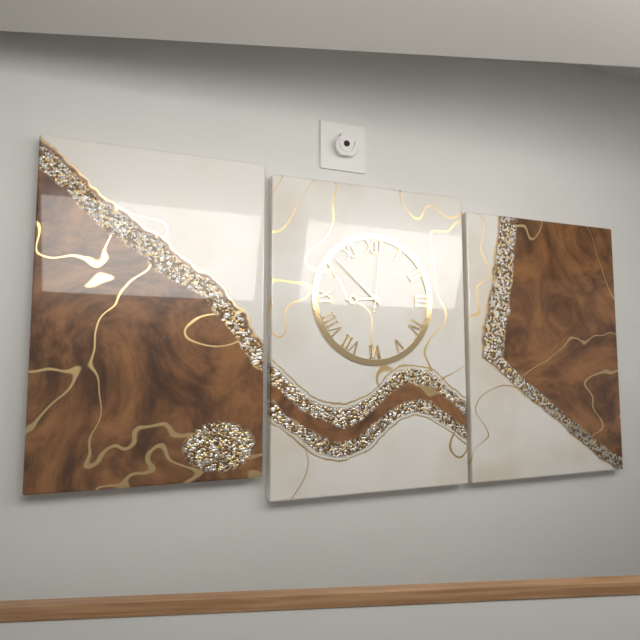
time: 8:52:01
